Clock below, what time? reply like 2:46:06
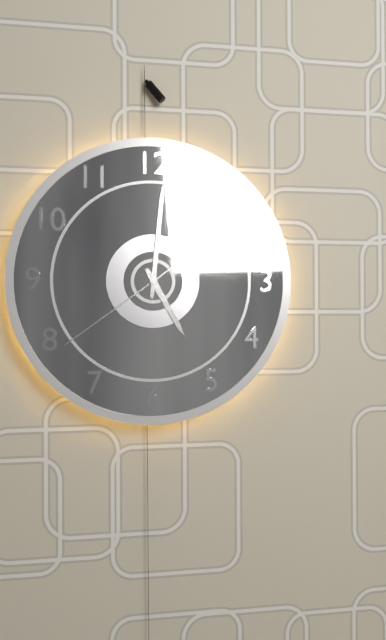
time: 5:01:39
